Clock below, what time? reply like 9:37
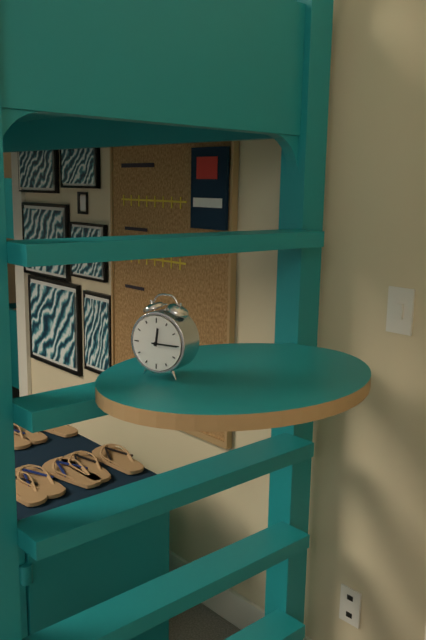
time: 12:15
